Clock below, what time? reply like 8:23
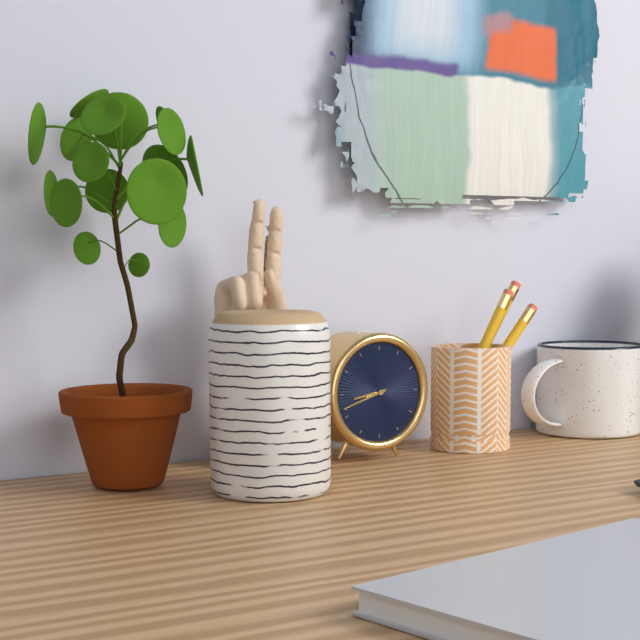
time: 8:42
